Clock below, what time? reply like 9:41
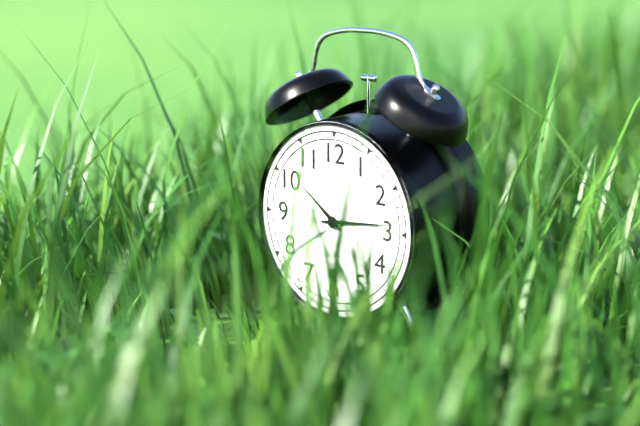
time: 10:14
